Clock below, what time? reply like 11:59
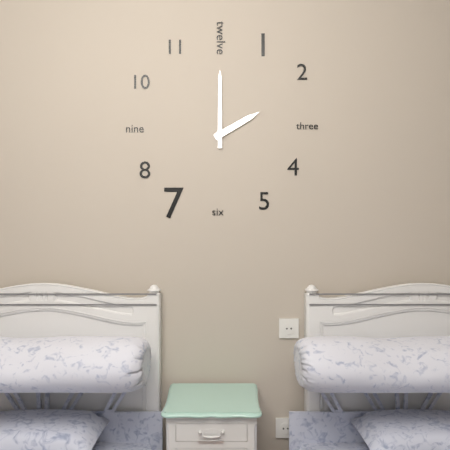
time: 2:00
